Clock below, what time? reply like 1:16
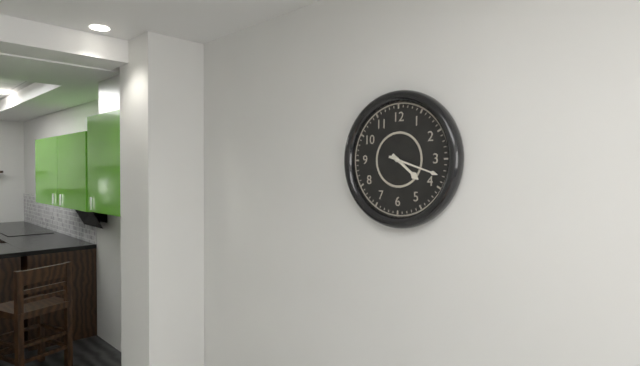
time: 4:18
